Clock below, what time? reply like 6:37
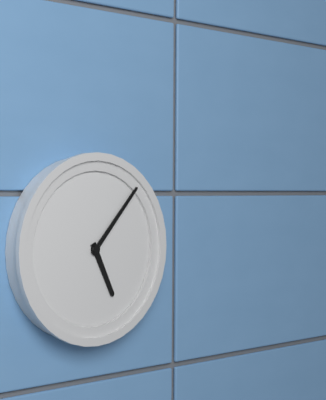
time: 5:07
